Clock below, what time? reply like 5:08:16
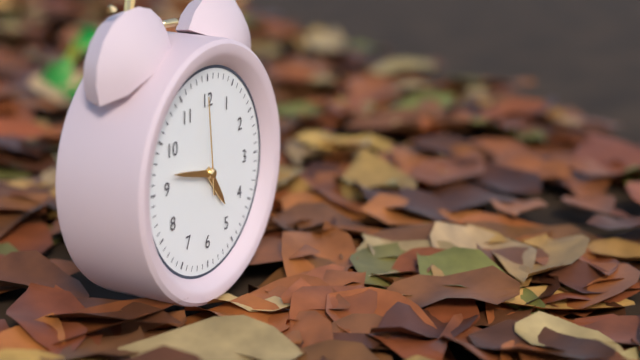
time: 4:47:59
